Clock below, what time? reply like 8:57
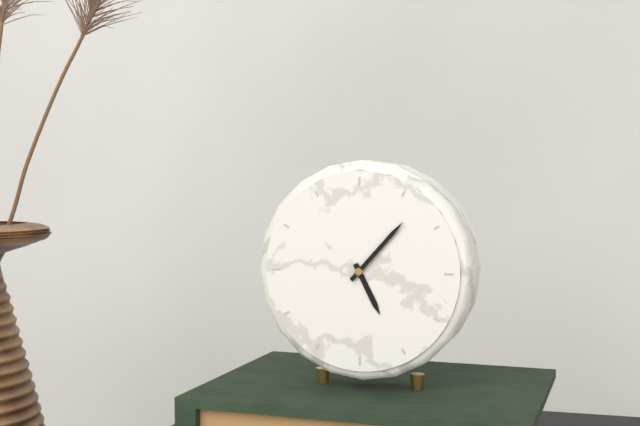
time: 5:07
